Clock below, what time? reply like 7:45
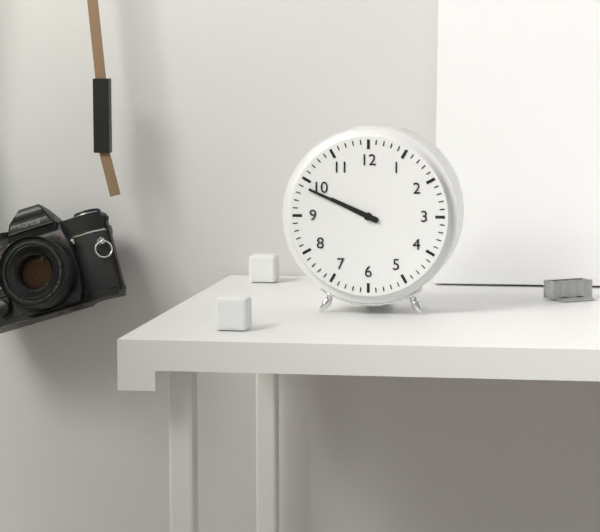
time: 9:49
